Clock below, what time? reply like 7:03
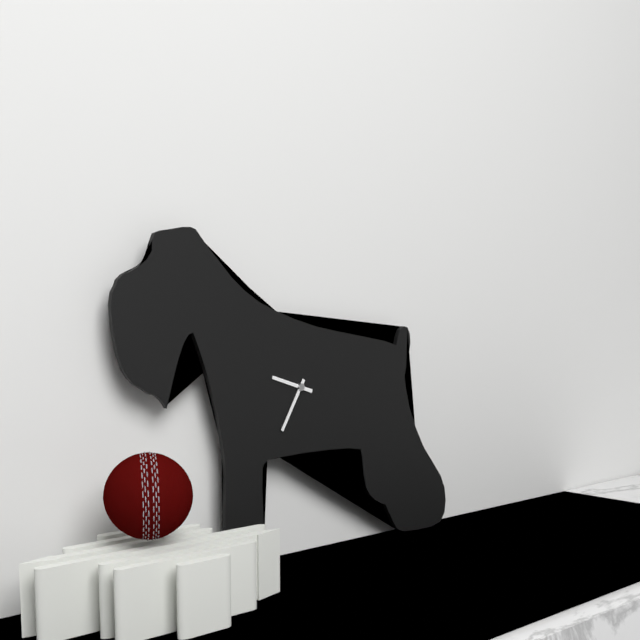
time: 9:35
